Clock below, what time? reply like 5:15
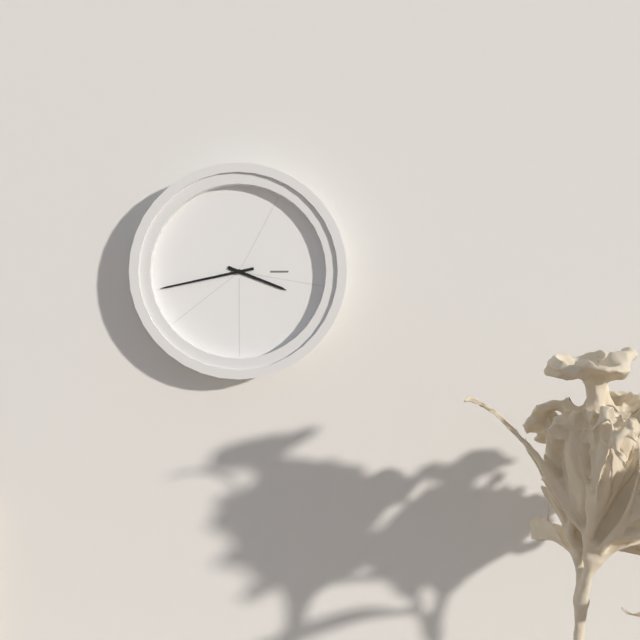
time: 3:43
